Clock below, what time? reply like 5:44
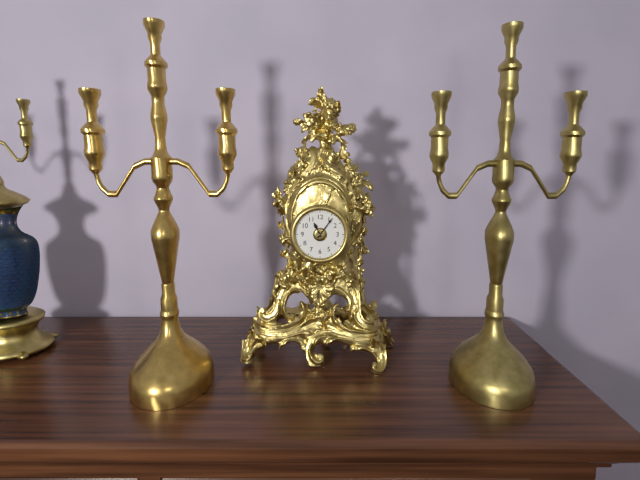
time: 11:06
